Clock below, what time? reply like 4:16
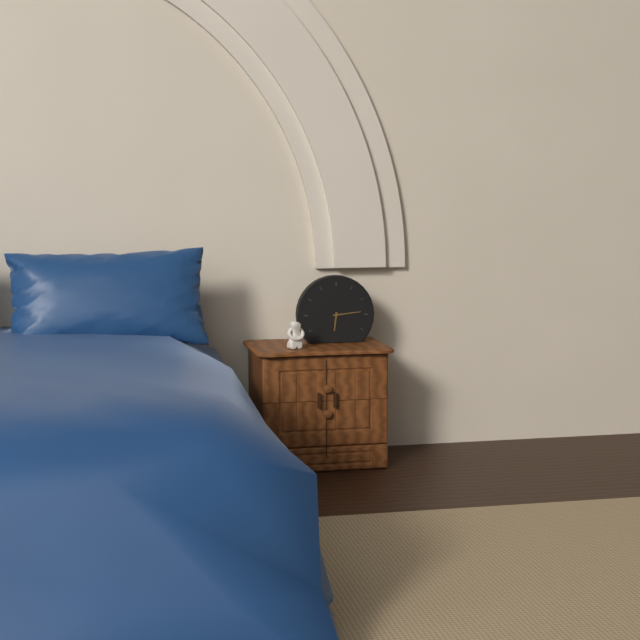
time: 6:14
